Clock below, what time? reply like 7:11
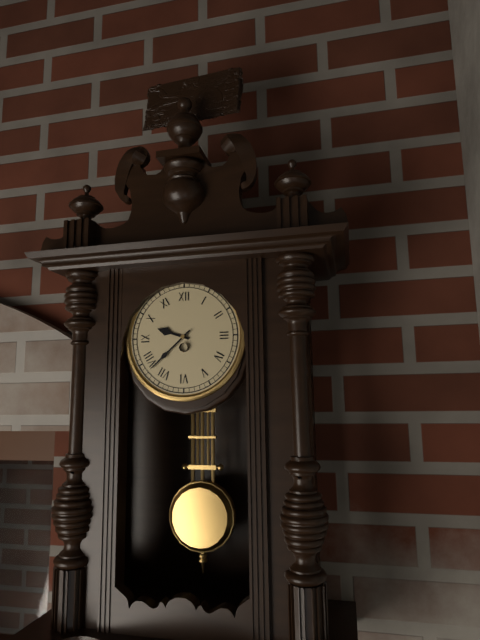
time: 9:38
